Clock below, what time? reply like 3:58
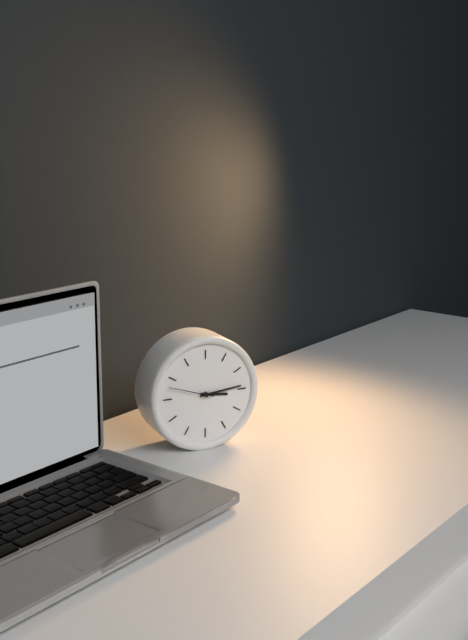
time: 3:14
